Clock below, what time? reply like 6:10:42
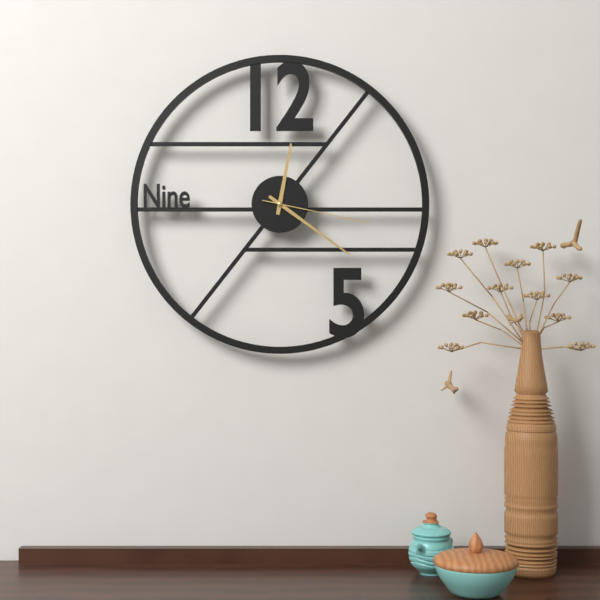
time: 12:21:17
